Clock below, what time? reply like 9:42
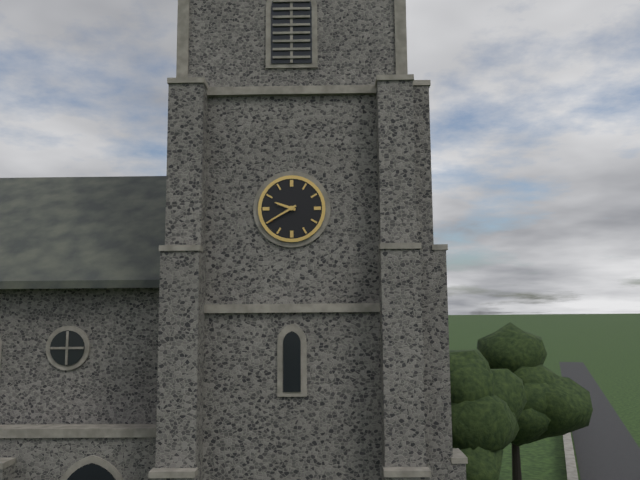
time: 9:40
